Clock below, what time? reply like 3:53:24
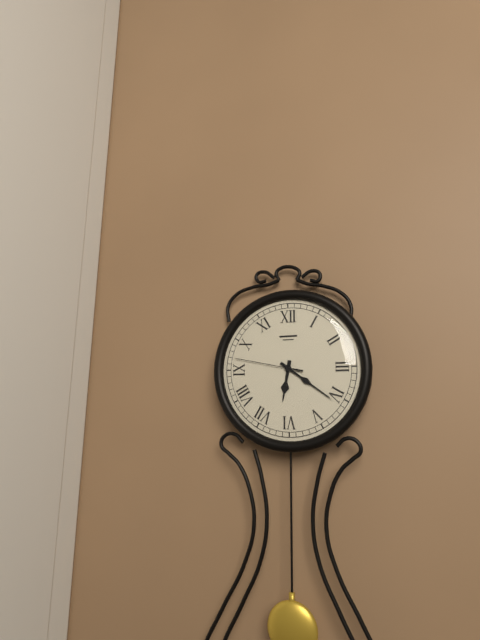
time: 6:21:47
